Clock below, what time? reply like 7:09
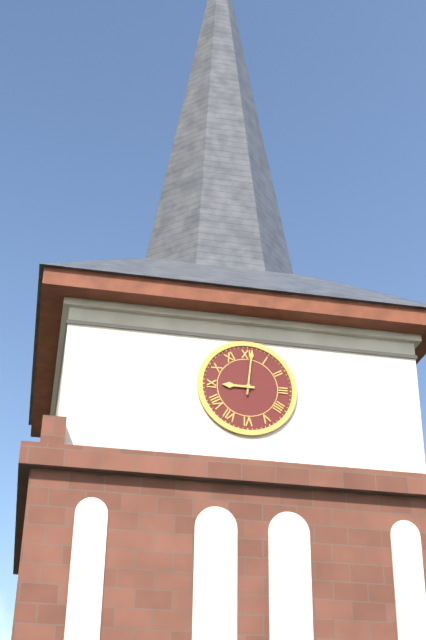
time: 9:01
